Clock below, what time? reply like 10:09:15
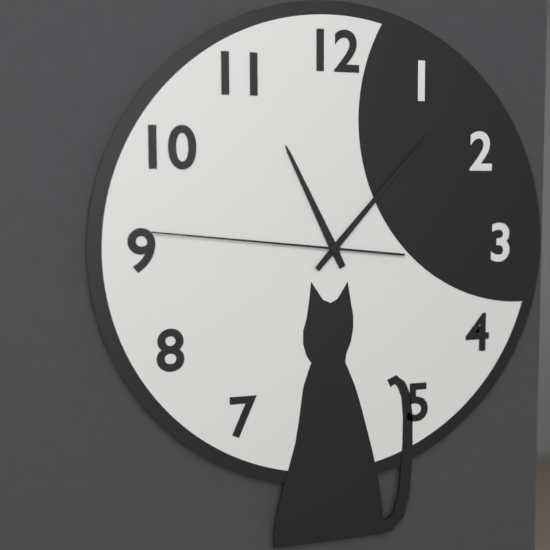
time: 11:07:46
